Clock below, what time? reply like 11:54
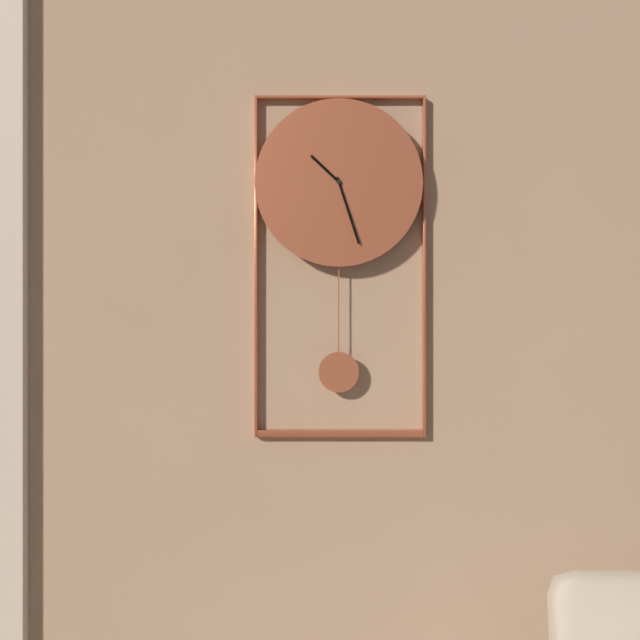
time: 10:27
